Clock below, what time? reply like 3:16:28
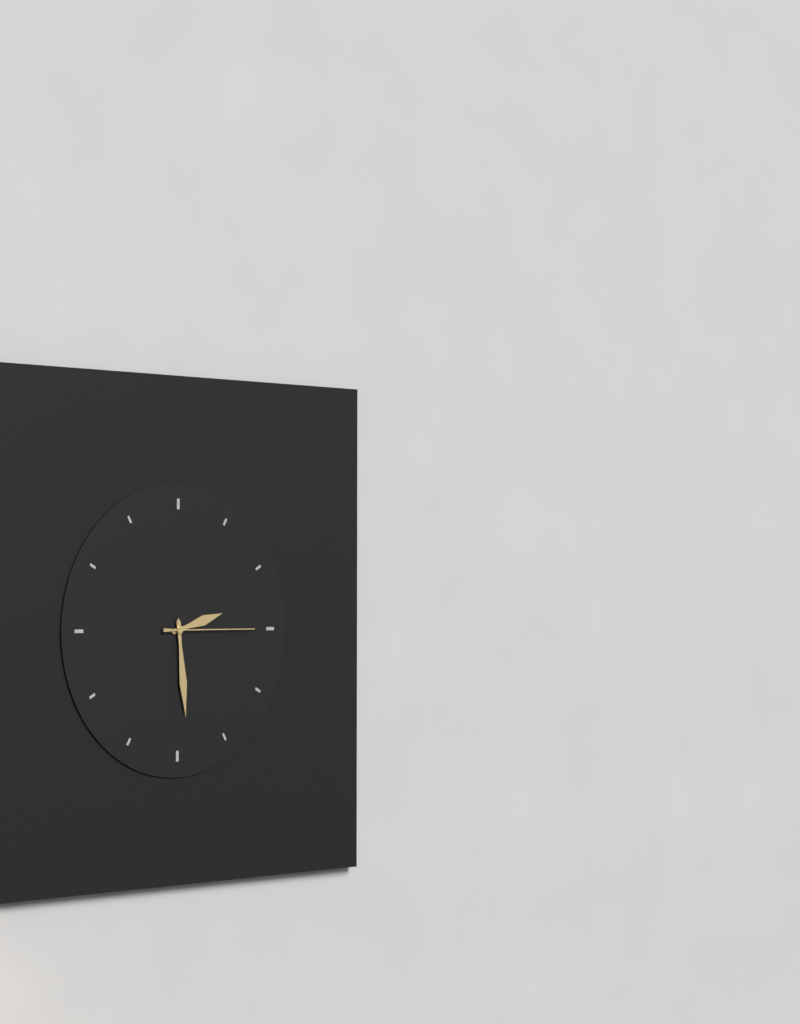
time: 2:29:15
